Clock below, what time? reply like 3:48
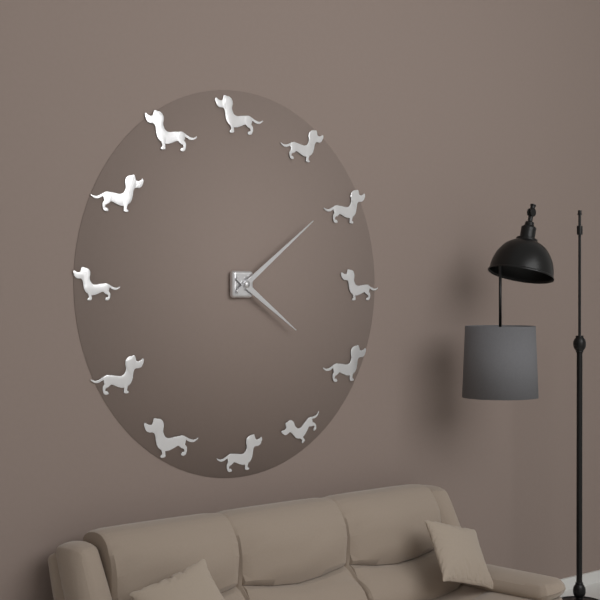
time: 4:09
